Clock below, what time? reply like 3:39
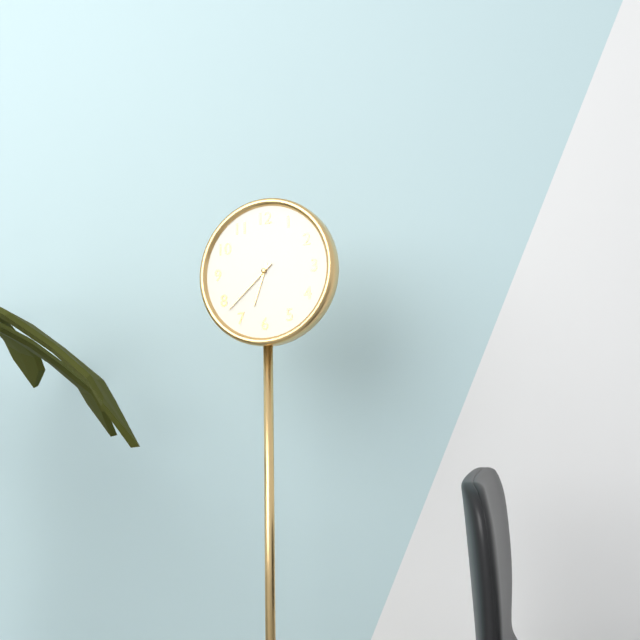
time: 6:38
